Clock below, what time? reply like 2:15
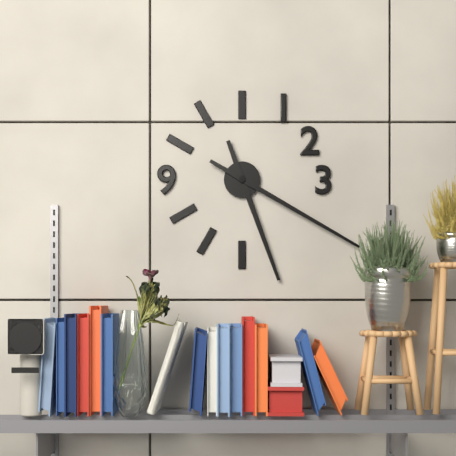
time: 5:20
